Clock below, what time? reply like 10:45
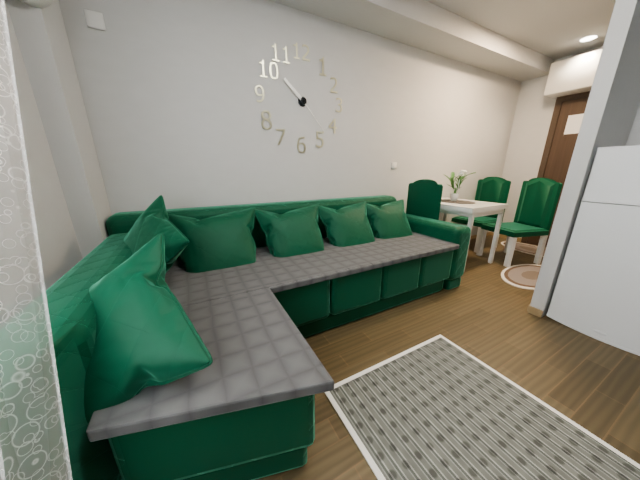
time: 10:23
